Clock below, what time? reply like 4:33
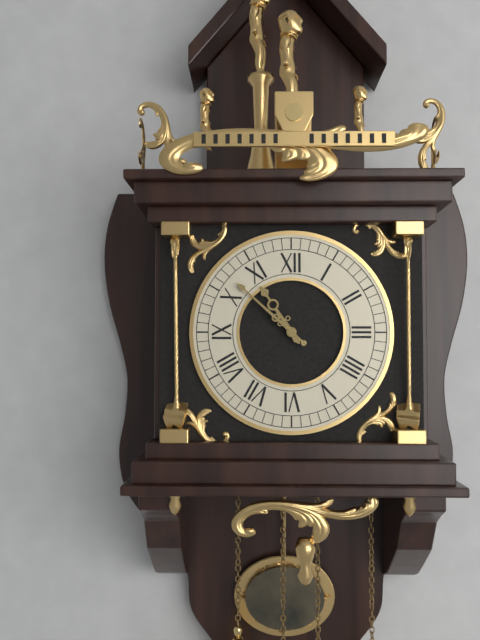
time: 10:52
